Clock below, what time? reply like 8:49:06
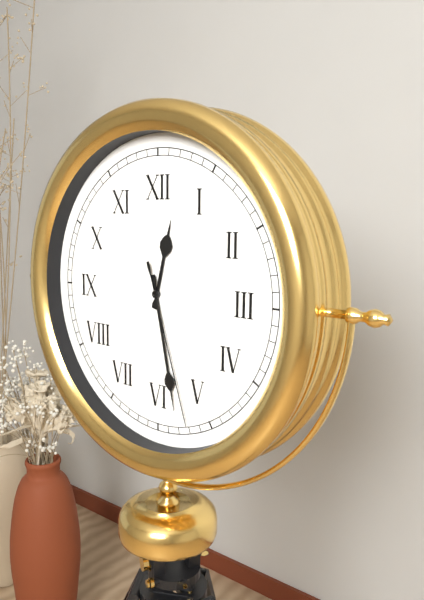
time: 12:28:27
